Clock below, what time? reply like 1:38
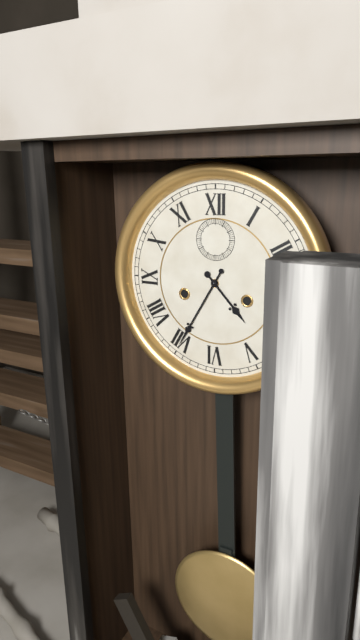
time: 4:35
